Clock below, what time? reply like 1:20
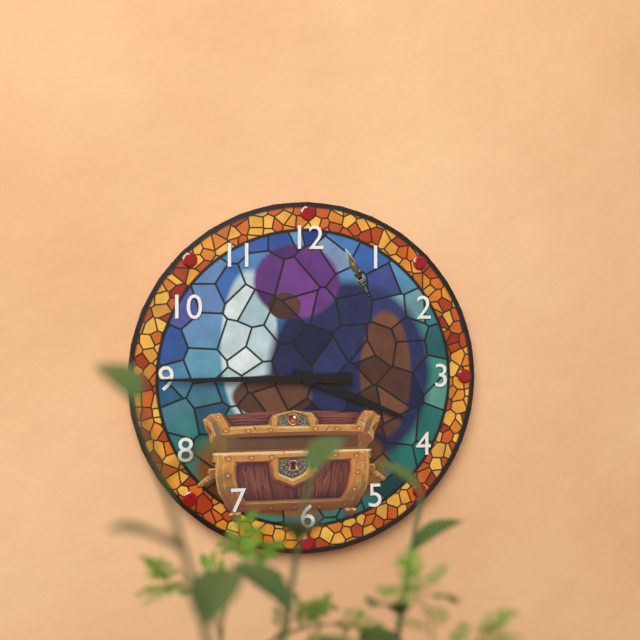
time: 3:45
